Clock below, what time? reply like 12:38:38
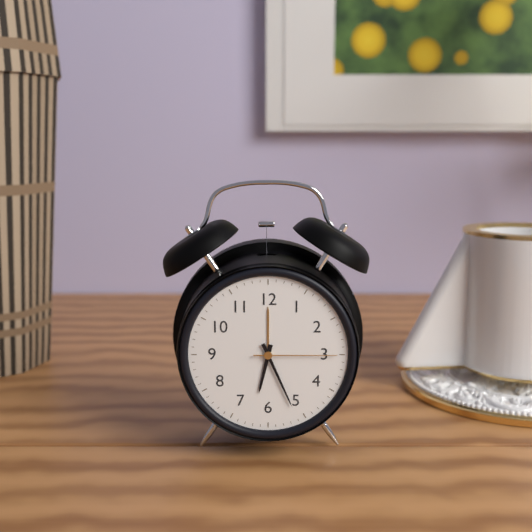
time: 6:26:15
